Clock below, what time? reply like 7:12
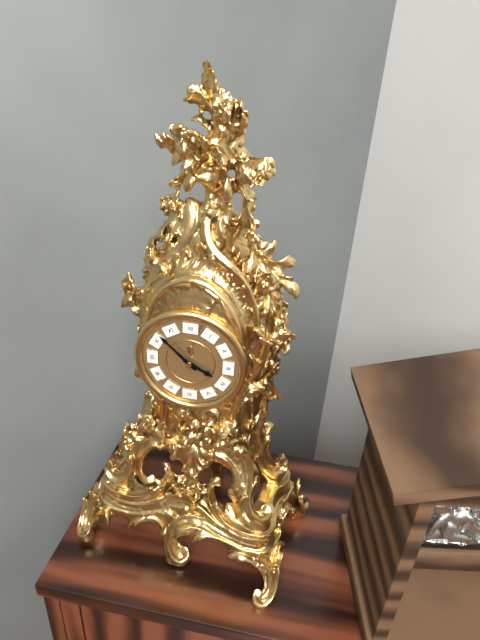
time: 3:52
